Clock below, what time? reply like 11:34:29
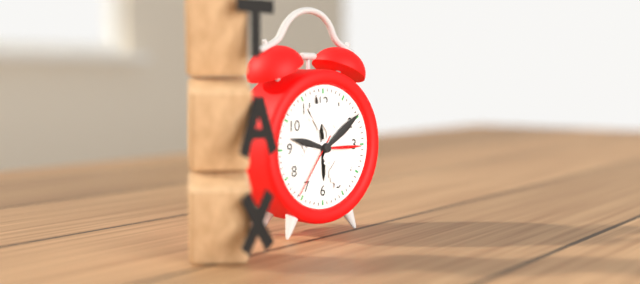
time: 5:58:36
